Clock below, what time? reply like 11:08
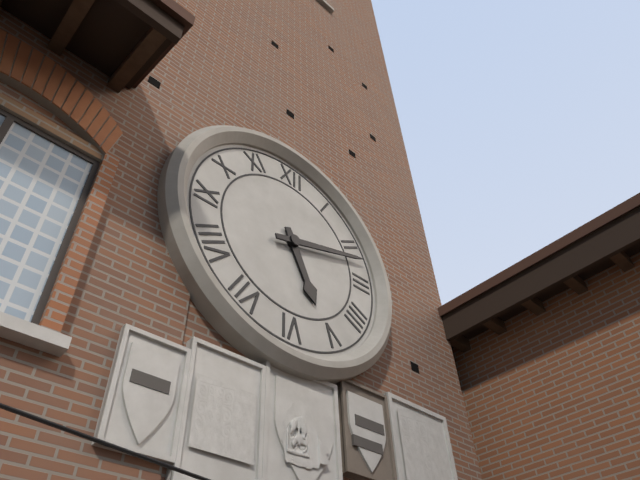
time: 5:12
